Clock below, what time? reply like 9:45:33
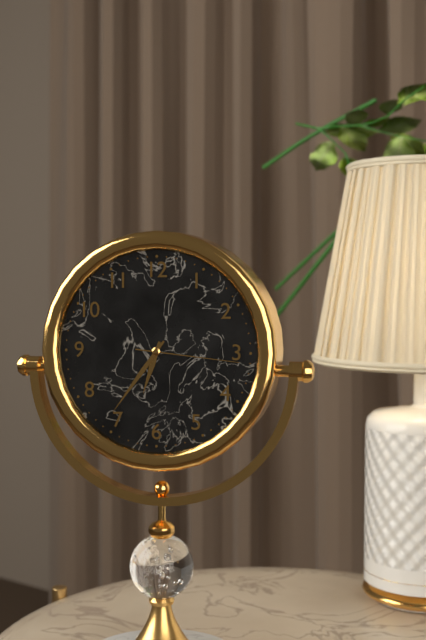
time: 6:36:16
